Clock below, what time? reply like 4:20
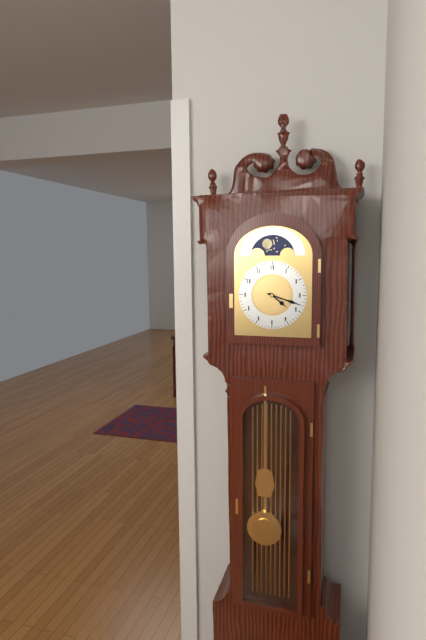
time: 4:18
